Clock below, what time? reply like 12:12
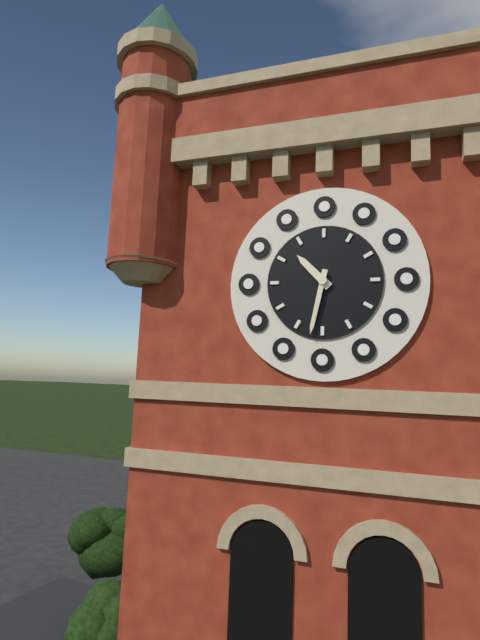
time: 10:32
